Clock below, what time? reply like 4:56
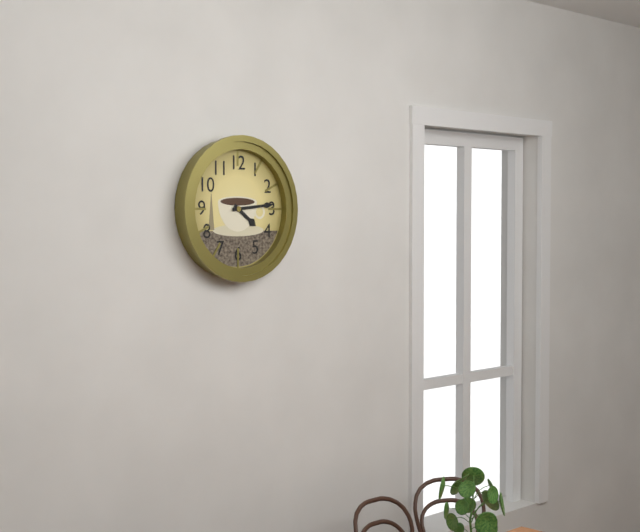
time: 4:14
